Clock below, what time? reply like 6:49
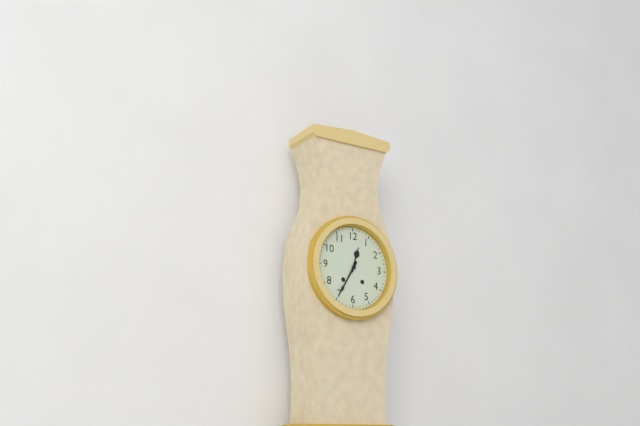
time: 12:35
